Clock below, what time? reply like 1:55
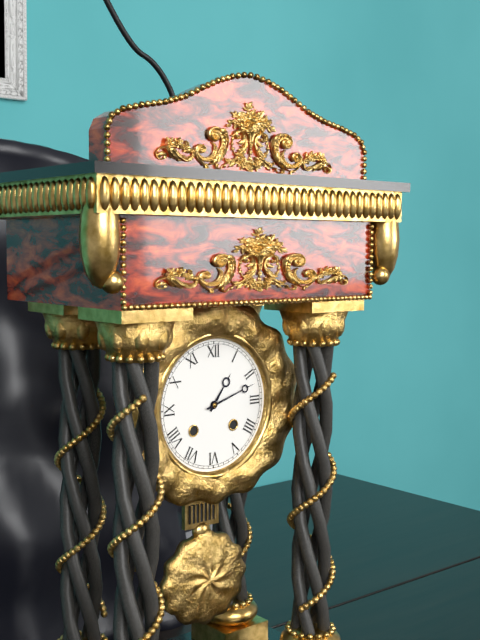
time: 1:12
